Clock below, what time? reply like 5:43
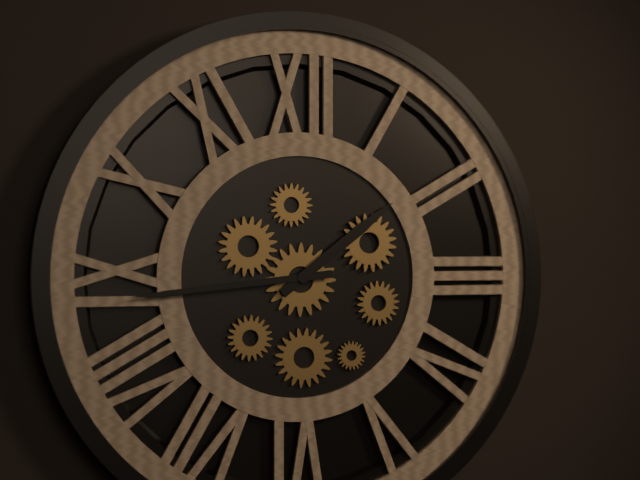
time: 1:44
